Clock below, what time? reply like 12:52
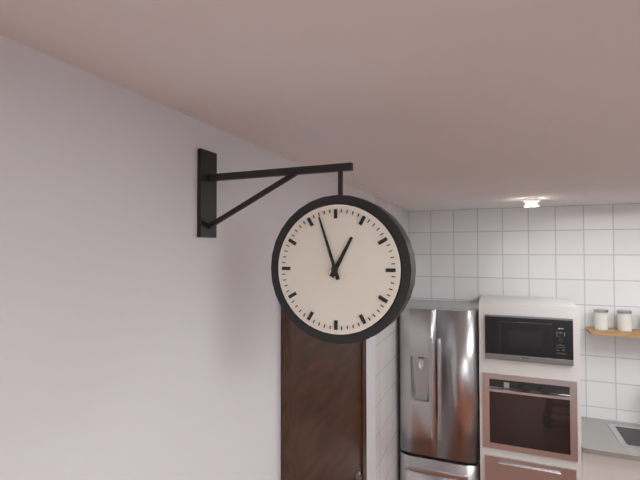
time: 12:57
